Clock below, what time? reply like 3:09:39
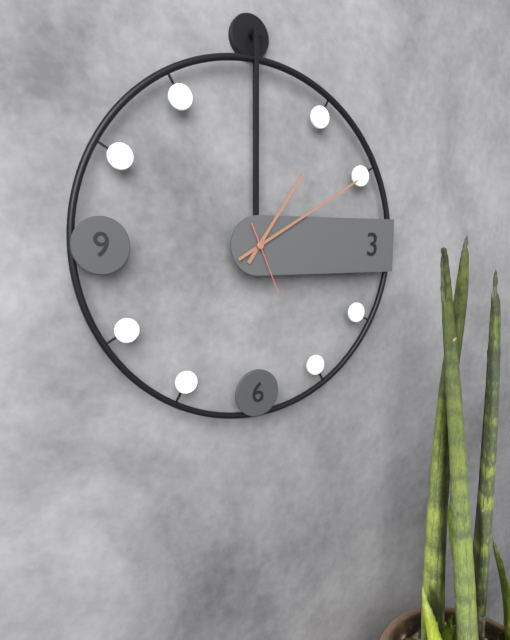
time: 1:10:26
